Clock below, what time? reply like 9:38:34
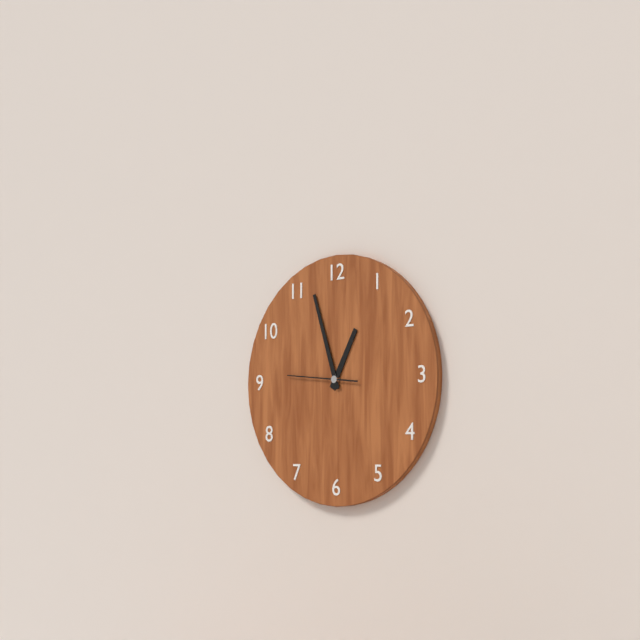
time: 12:57:46
